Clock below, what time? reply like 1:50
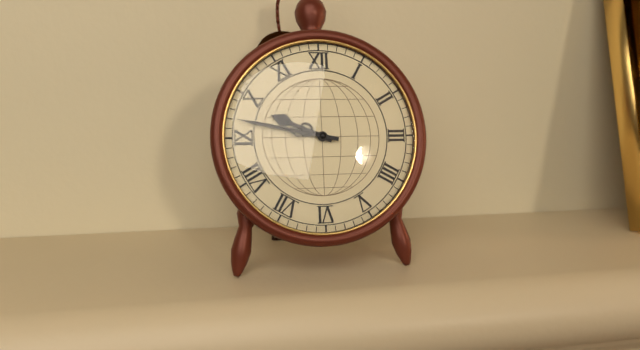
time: 9:47
